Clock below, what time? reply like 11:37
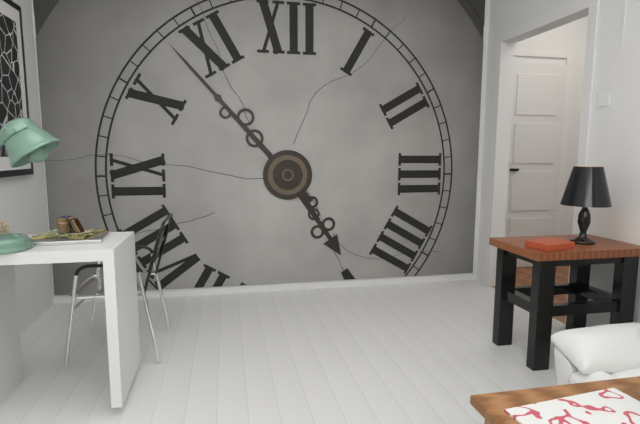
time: 4:53
